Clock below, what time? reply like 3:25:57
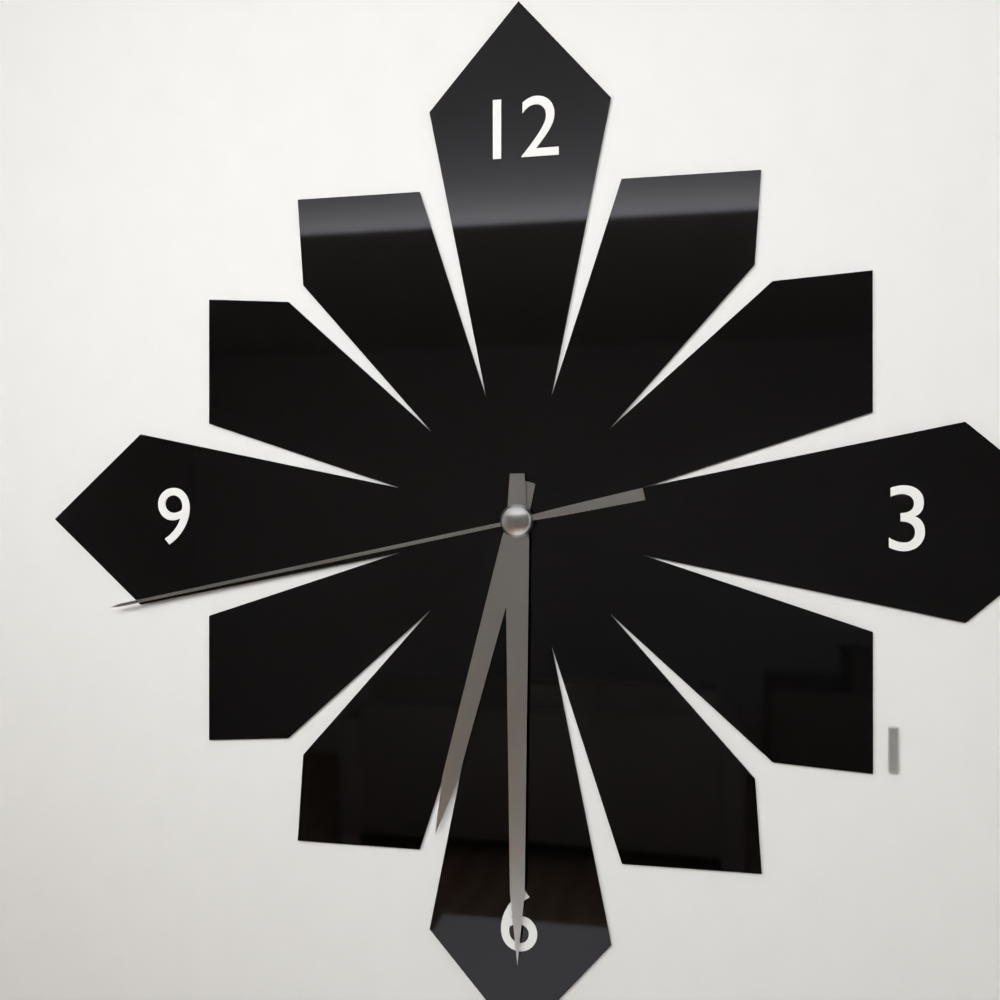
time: 6:30:43
